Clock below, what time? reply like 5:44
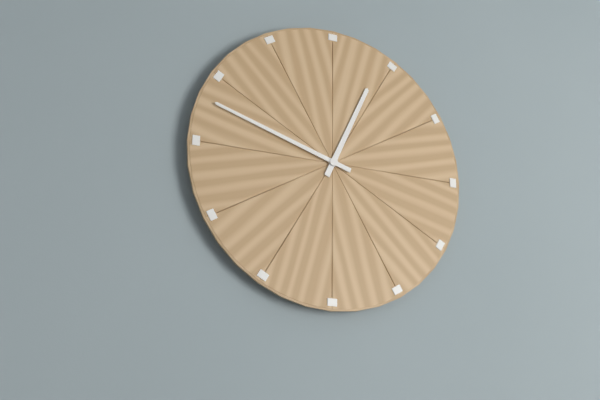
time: 12:48
